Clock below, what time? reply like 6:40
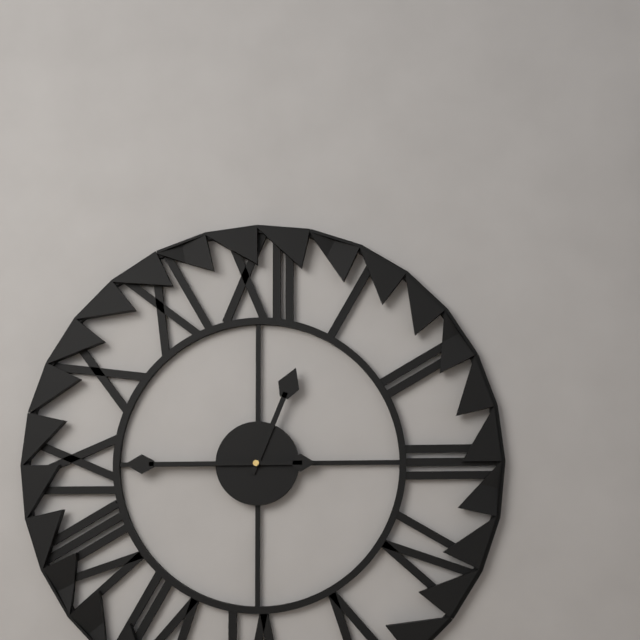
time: 12:45
